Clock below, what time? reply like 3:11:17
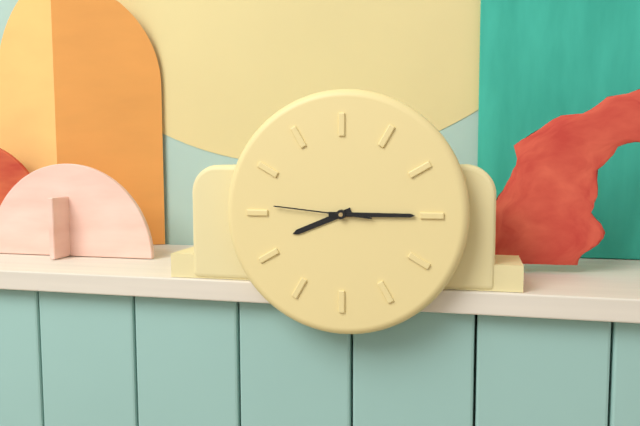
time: 8:15:46
